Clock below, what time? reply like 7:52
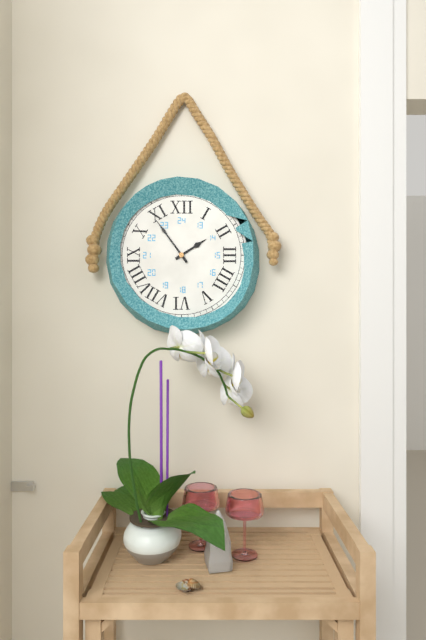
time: 1:54
